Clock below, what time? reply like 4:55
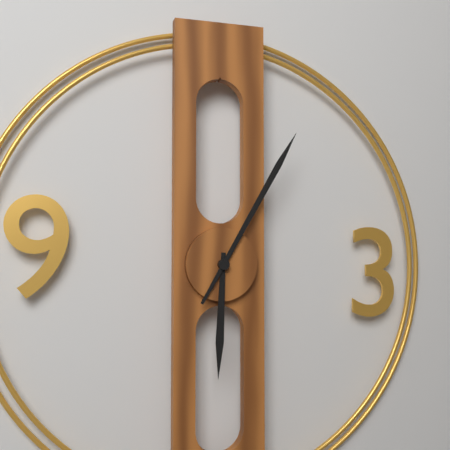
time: 6:05
